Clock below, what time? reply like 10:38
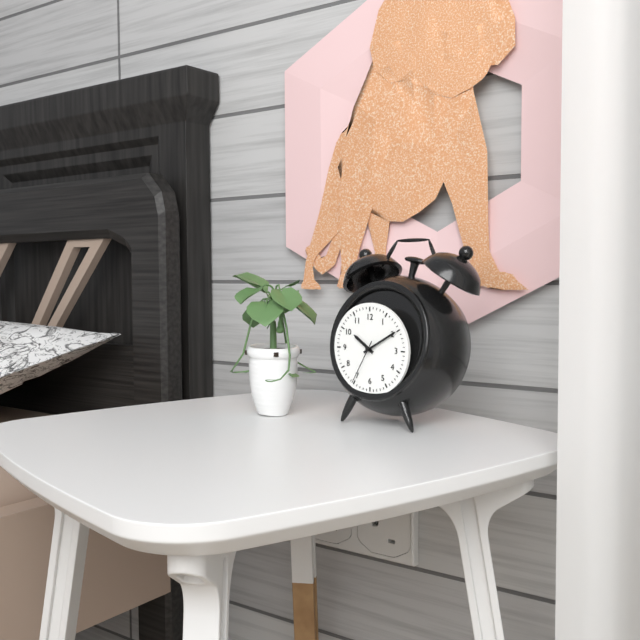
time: 10:10
